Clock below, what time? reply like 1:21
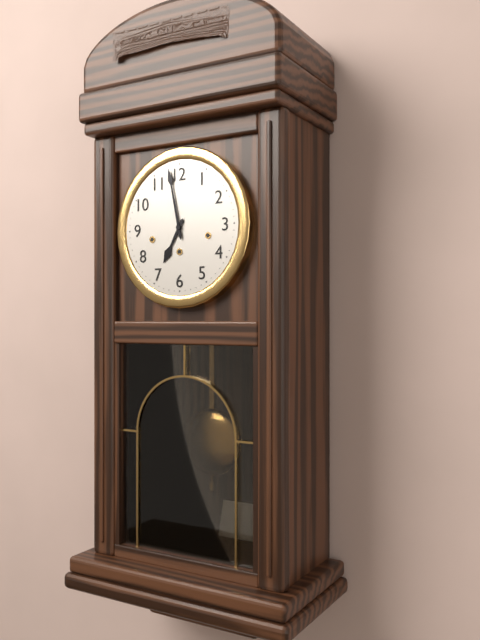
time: 6:58
